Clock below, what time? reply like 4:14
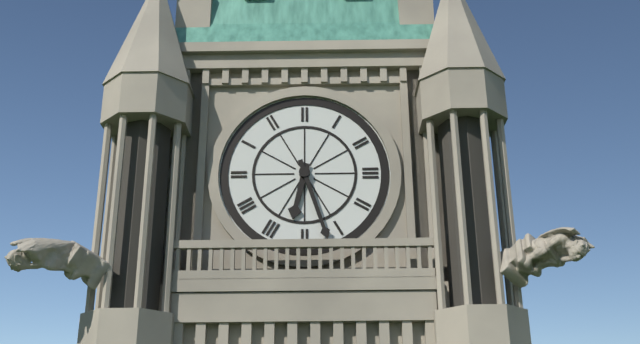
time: 6:27
